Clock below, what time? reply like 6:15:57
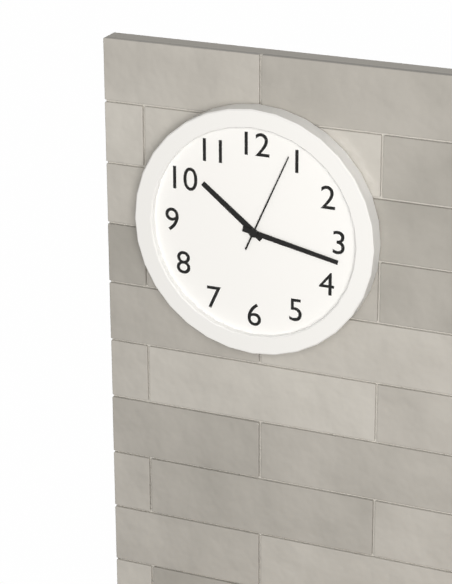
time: 10:17:04
